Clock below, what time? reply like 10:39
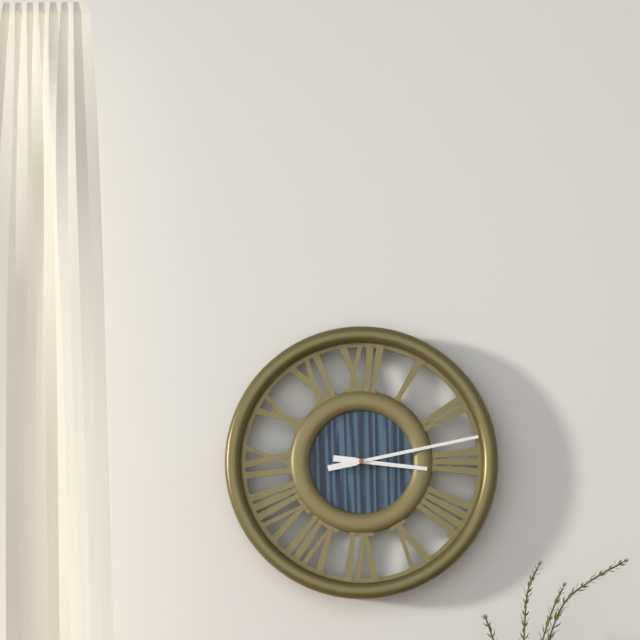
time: 3:13
